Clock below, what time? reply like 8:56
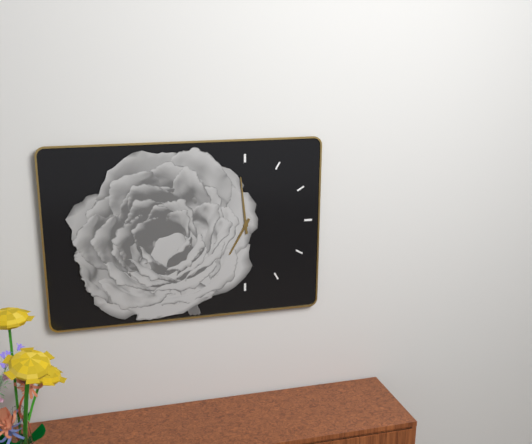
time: 6:59
